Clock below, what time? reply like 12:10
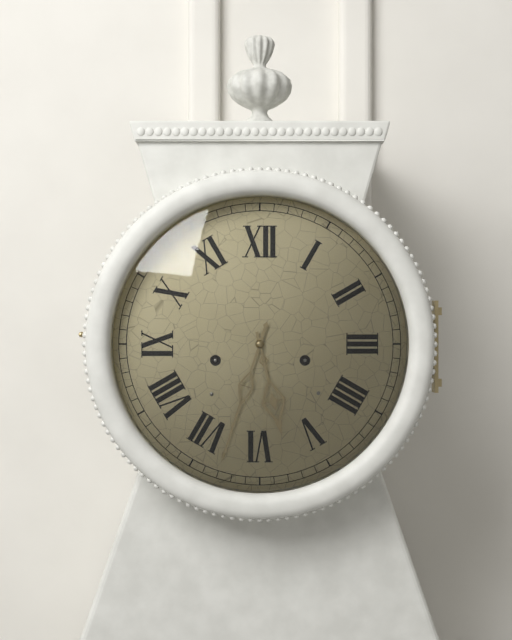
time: 5:33
